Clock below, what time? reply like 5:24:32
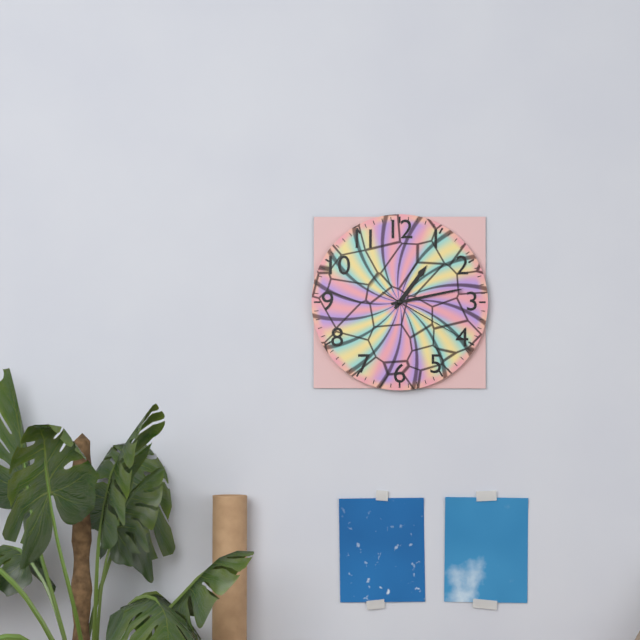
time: 1:13:20
